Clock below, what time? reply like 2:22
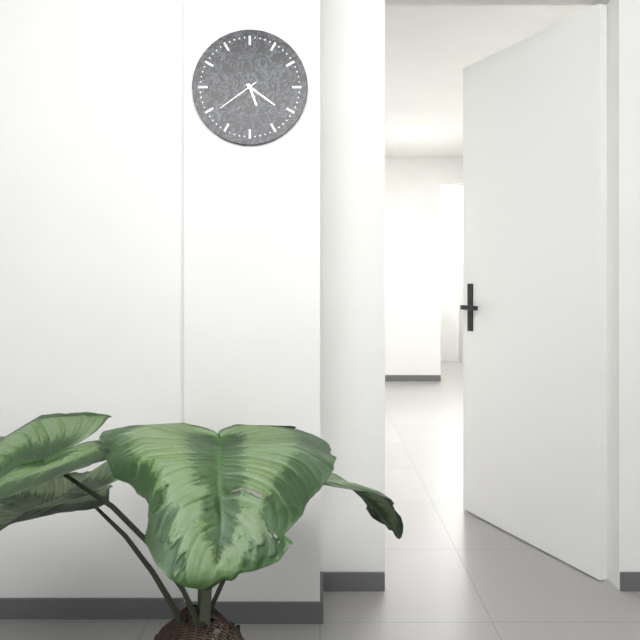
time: 5:21
